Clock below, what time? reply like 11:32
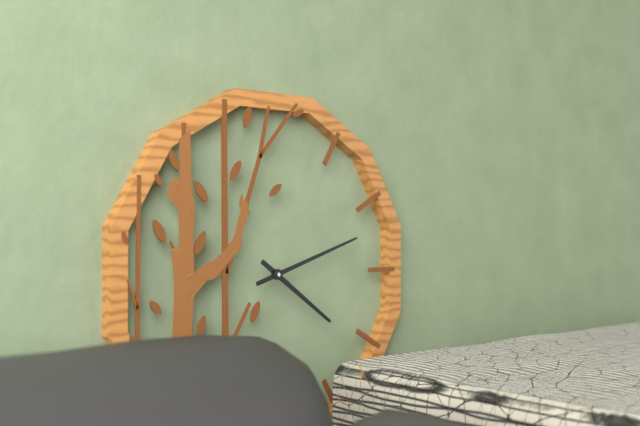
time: 4:12
